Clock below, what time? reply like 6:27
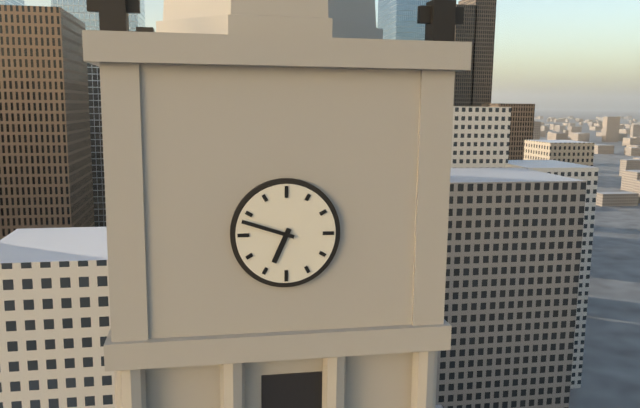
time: 6:48
